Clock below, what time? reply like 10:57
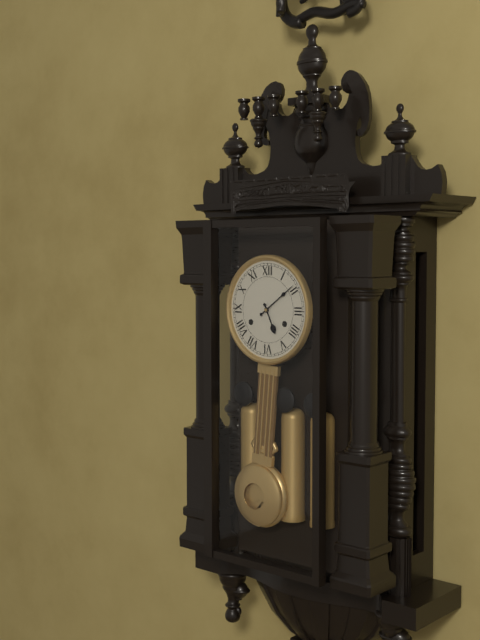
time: 5:09
